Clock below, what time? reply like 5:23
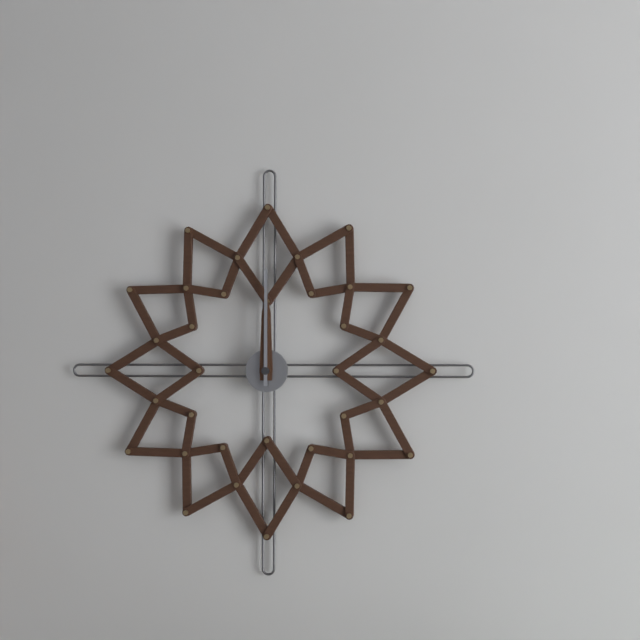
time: 12:00
